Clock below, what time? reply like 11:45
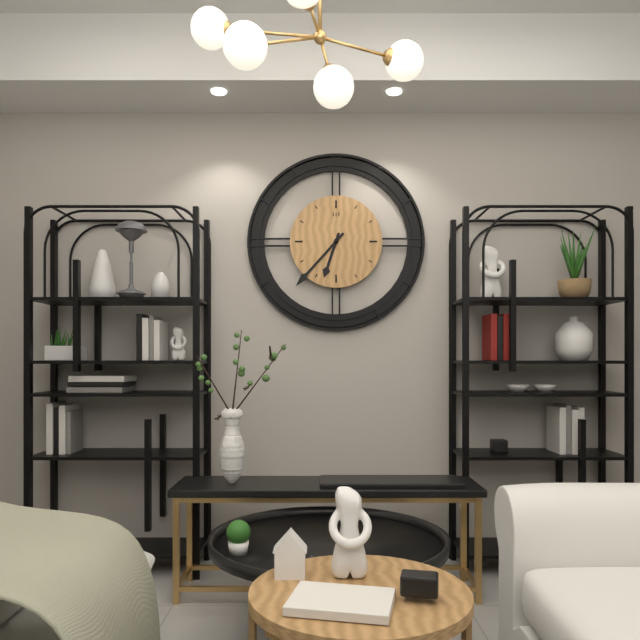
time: 6:37
